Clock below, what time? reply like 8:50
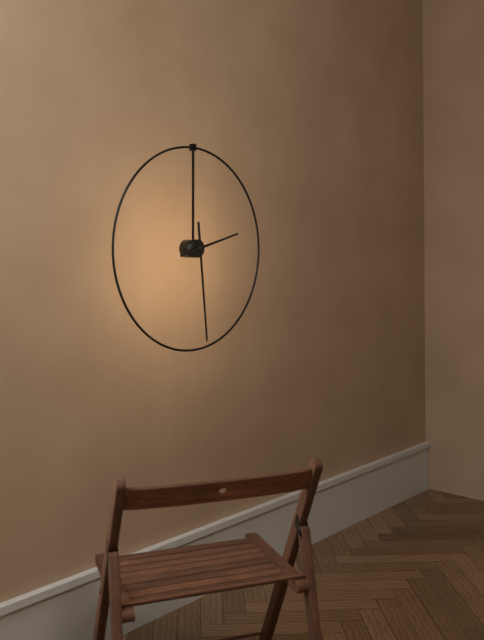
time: 2:29
